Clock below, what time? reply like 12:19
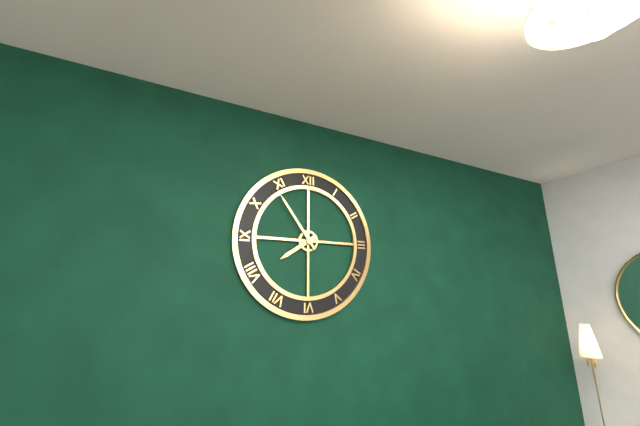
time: 7:54
